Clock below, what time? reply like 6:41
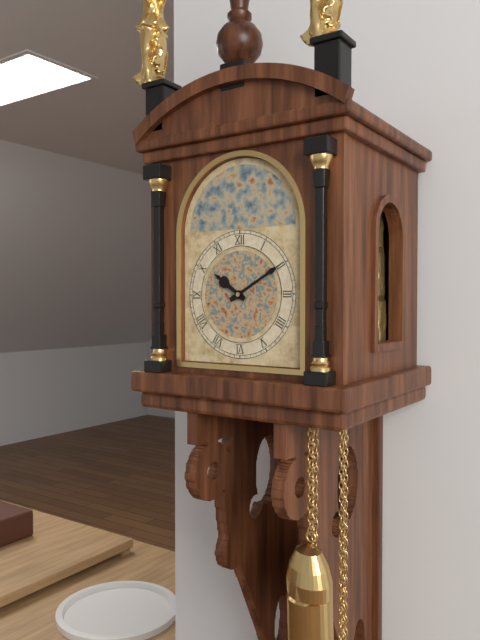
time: 10:10
